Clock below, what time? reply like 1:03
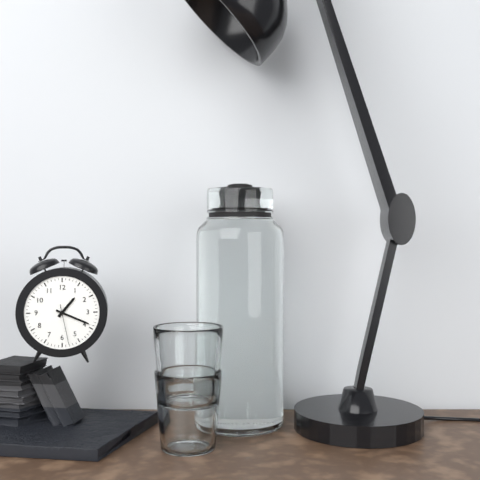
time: 1:19
